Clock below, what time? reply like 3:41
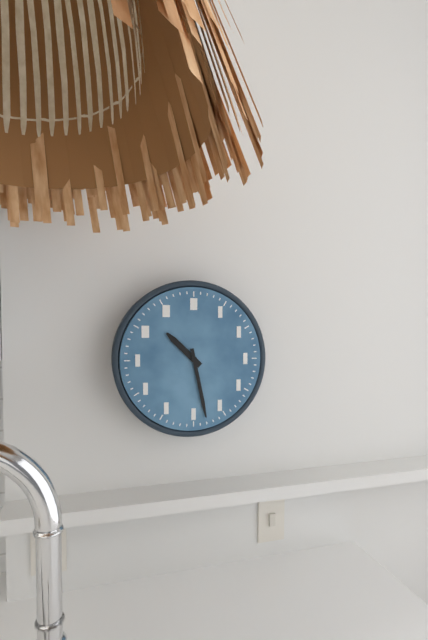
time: 10:28
